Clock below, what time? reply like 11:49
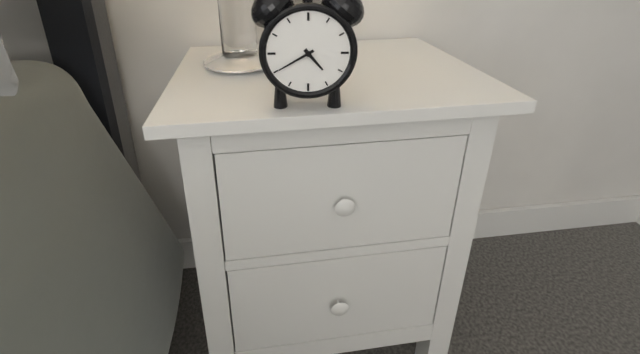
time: 4:40
